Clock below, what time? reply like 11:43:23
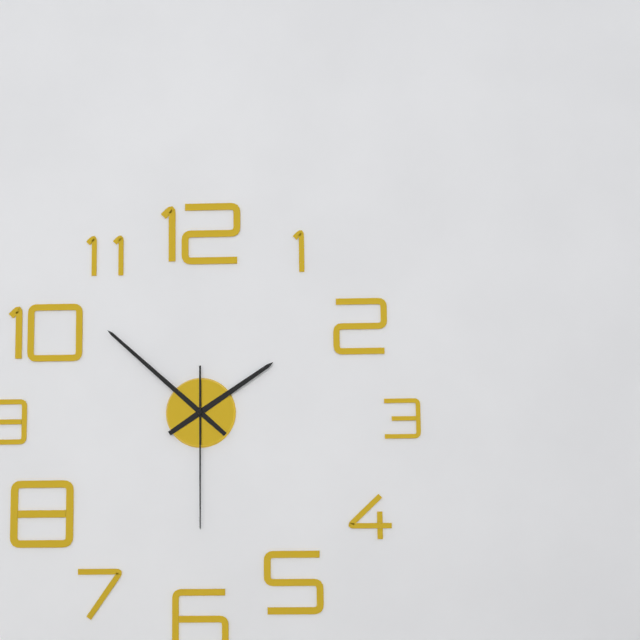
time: 1:52:30
